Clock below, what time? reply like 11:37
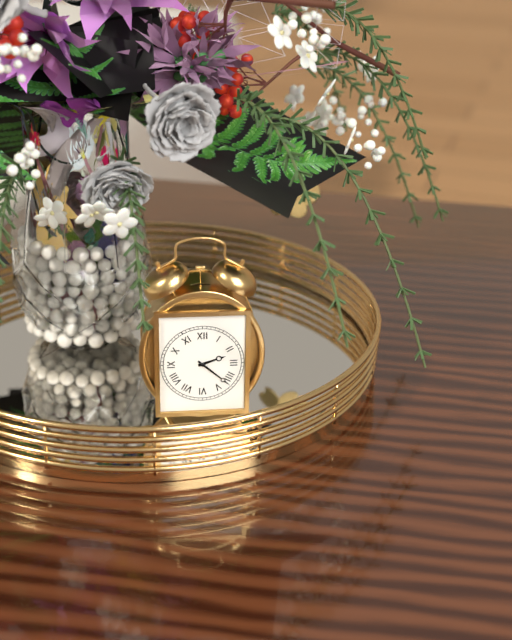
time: 2:22
